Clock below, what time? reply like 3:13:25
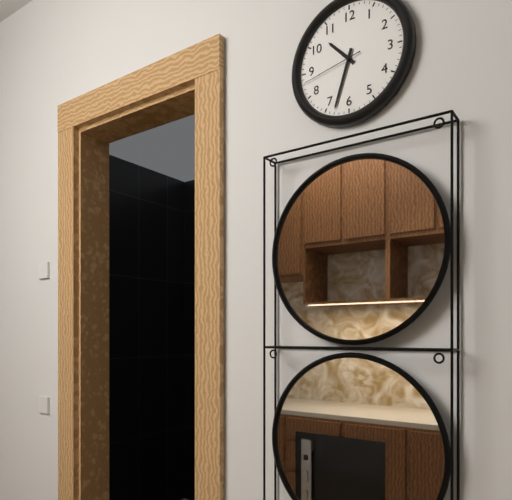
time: 10:33:43
